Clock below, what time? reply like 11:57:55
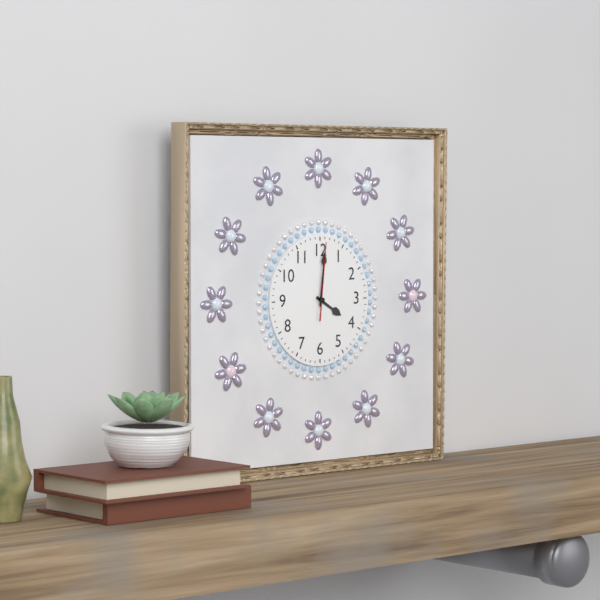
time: 4:01:01
